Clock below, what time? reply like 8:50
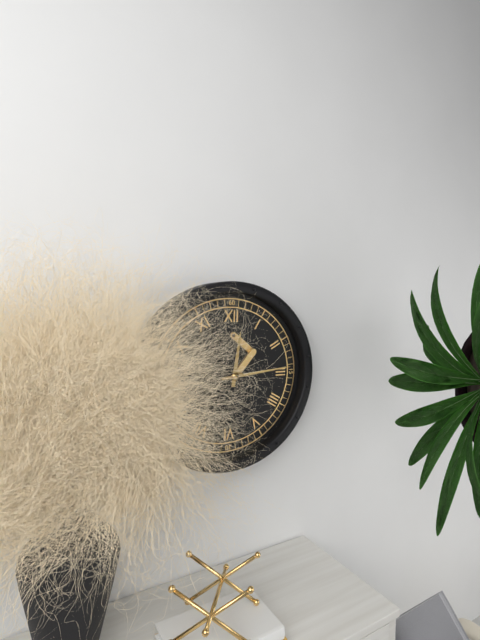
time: 12:14
